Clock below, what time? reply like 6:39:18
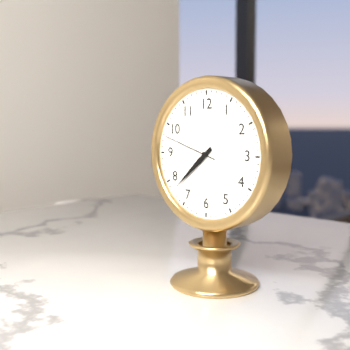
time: 7:38:48
